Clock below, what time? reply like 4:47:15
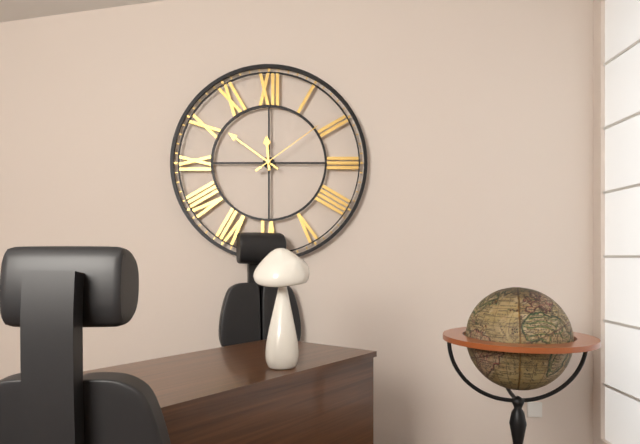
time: 11:51:09
